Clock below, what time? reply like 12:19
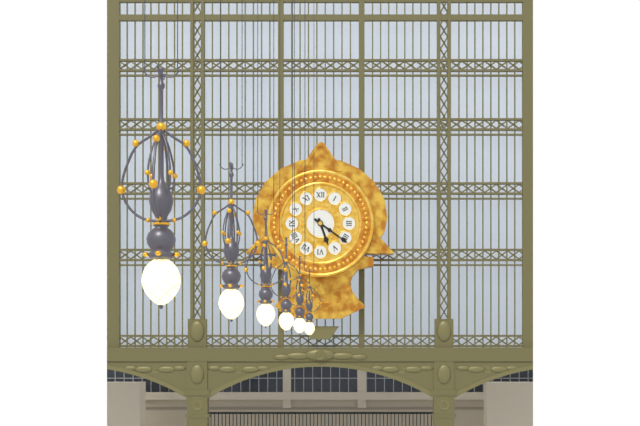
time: 5:21
